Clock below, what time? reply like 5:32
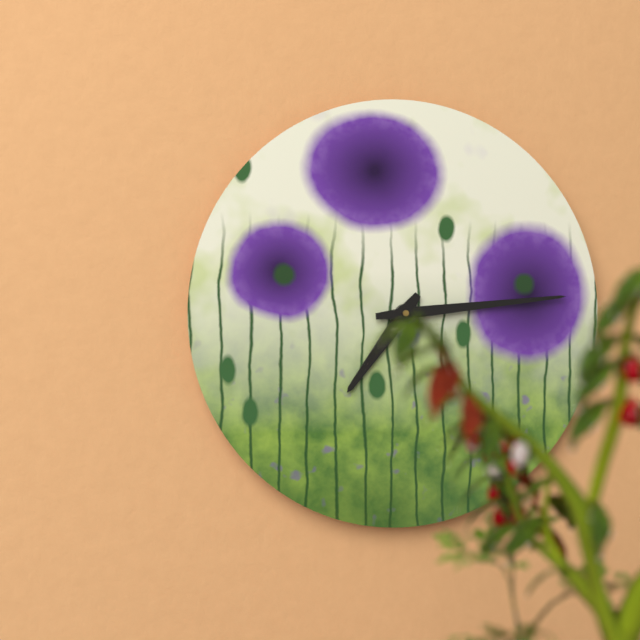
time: 7:14
